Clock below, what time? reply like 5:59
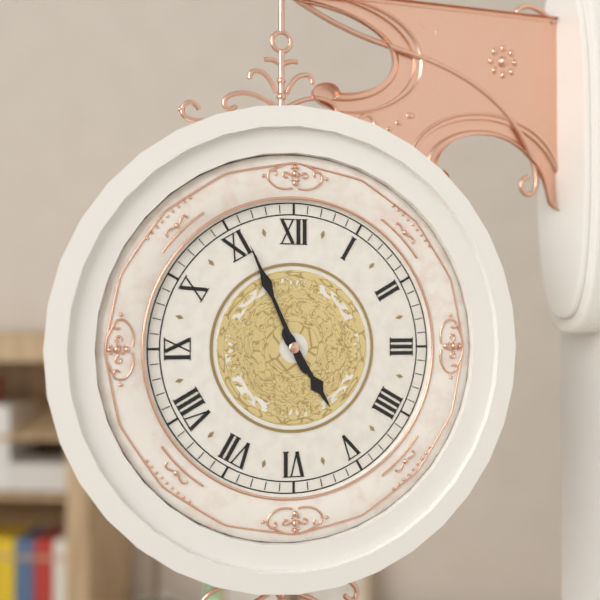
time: 4:56
